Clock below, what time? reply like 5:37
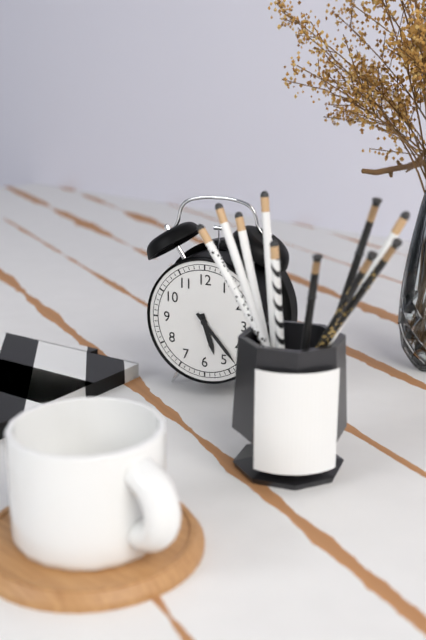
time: 5:23
